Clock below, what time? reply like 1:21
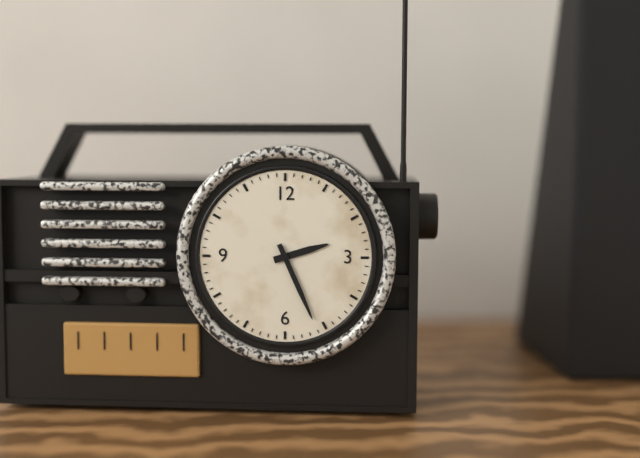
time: 2:26
